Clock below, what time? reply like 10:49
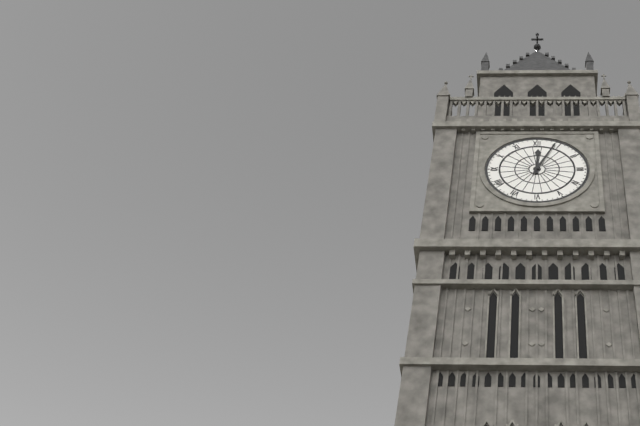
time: 12:04
